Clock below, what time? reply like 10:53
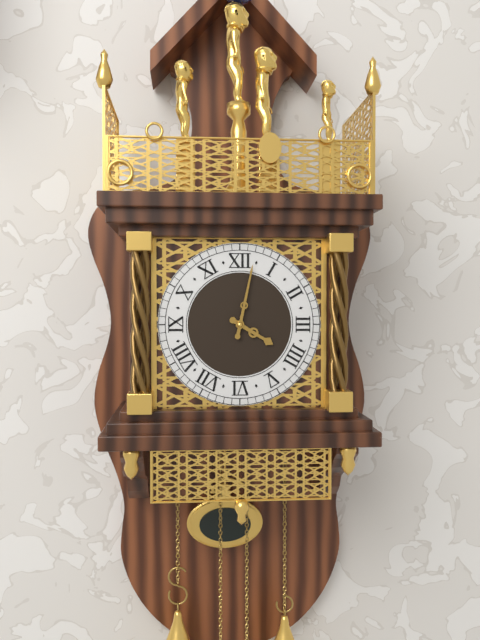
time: 4:02
